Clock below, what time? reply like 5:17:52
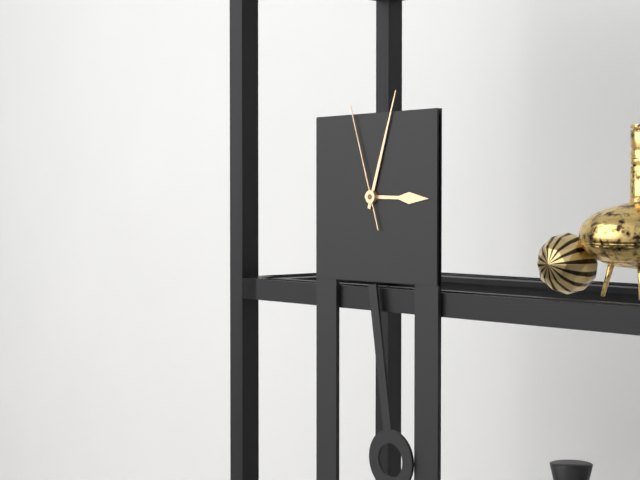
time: 3:03:57
